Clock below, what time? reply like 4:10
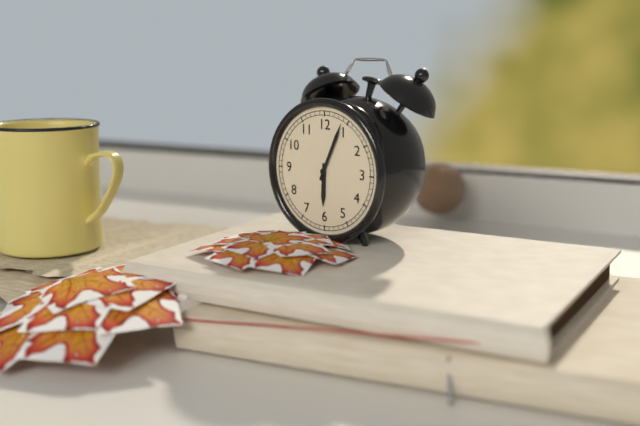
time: 6:04
